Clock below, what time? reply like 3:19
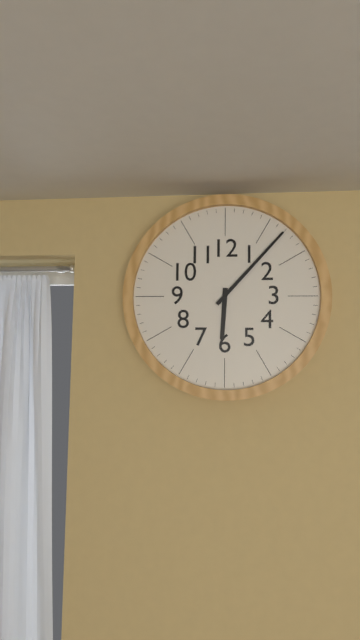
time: 6:07
